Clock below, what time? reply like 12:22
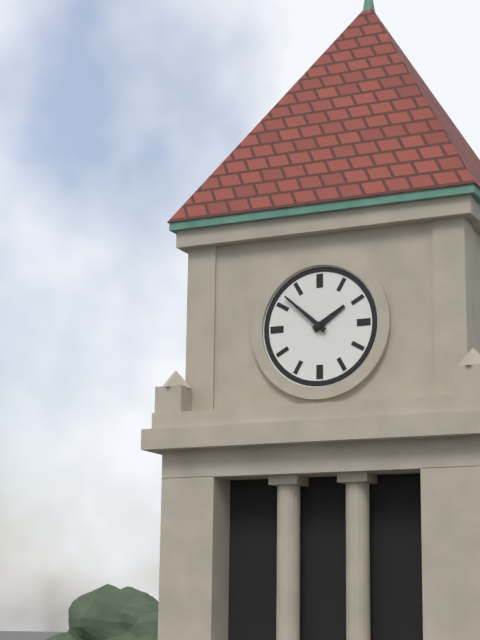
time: 1:52
